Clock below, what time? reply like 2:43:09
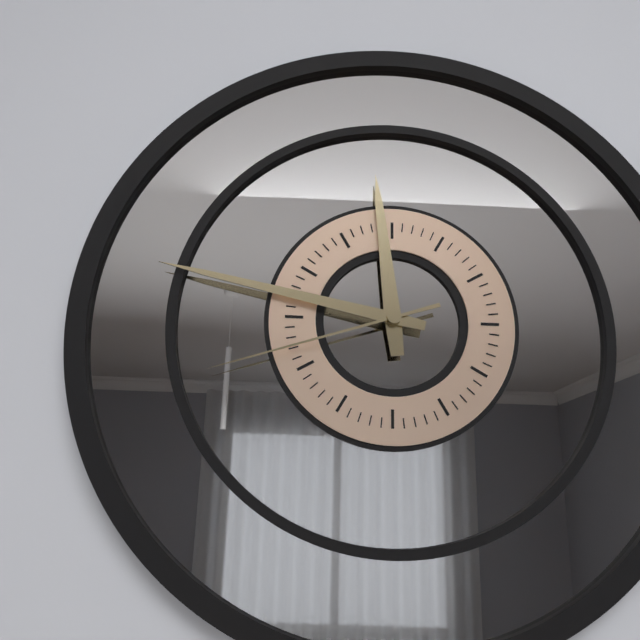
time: 11:47:42
